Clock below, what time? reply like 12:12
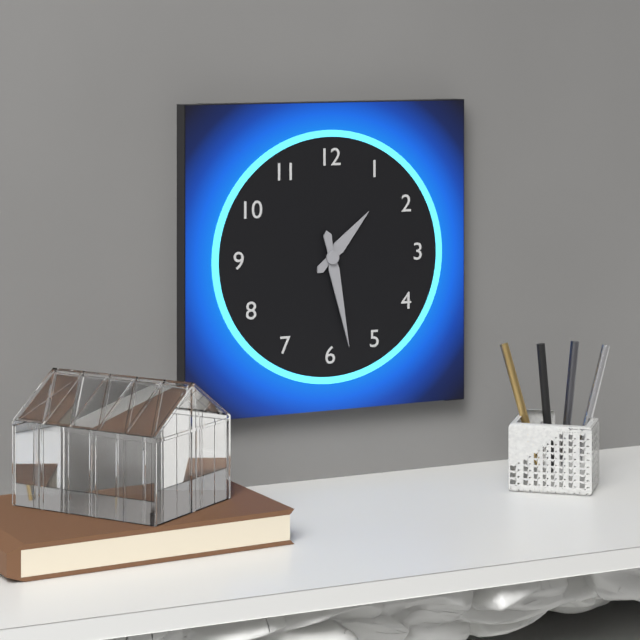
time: 1:28
